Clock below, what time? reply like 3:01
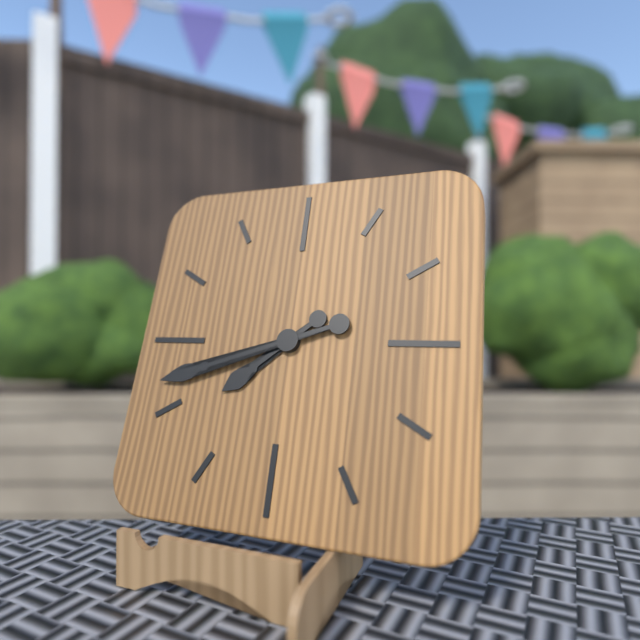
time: 7:42
